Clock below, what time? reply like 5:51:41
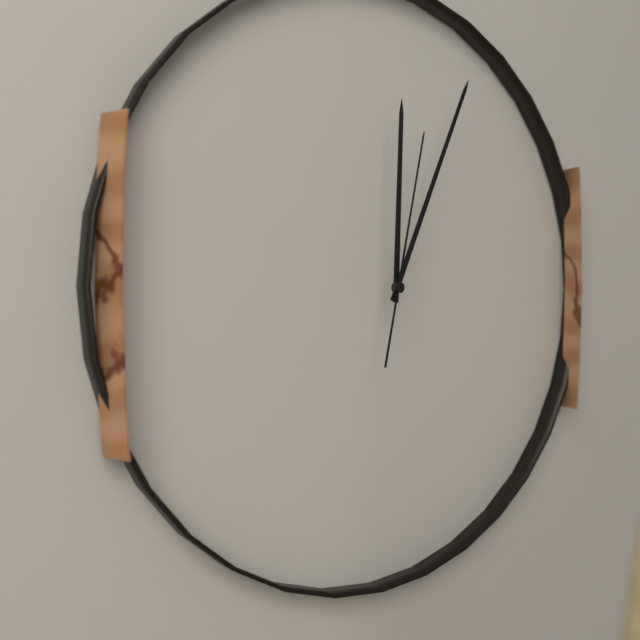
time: 12:04:02
